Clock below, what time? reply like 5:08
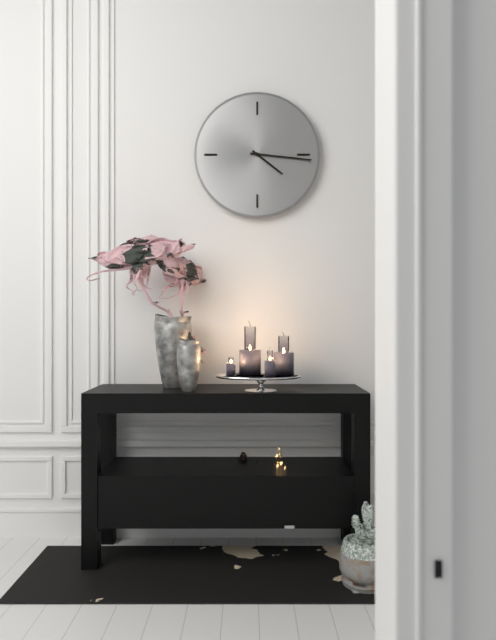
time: 4:16
